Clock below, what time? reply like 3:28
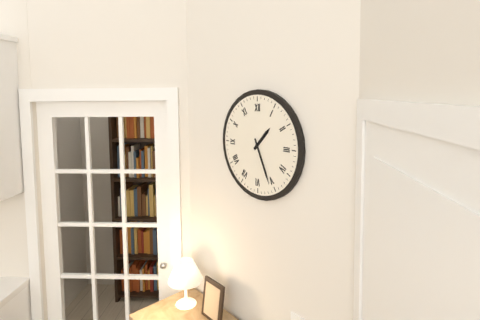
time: 1:26
